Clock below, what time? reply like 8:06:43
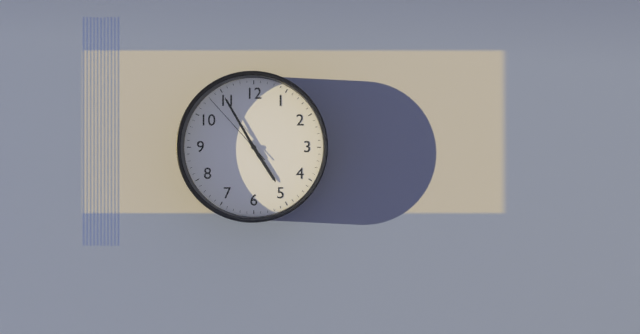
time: 4:55:53
